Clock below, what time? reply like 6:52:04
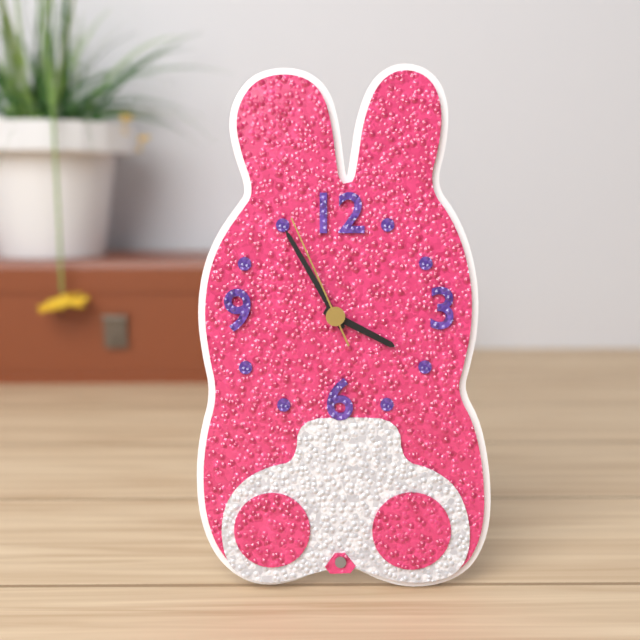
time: 3:55:56
